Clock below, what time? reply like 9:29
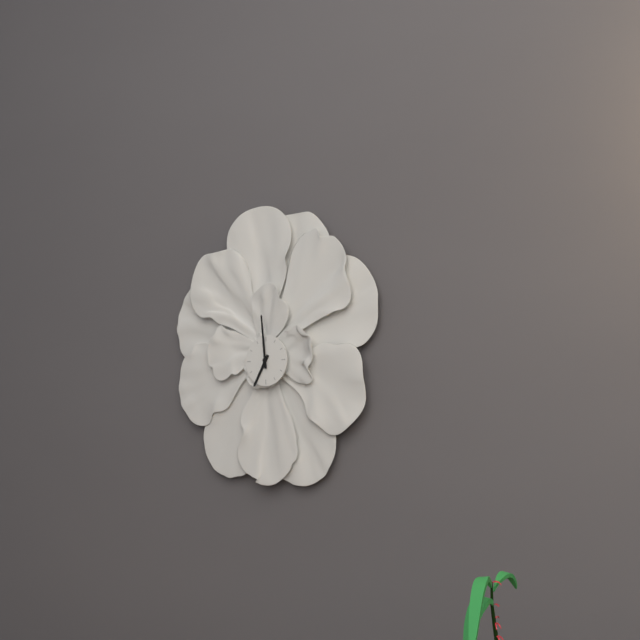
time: 6:59
